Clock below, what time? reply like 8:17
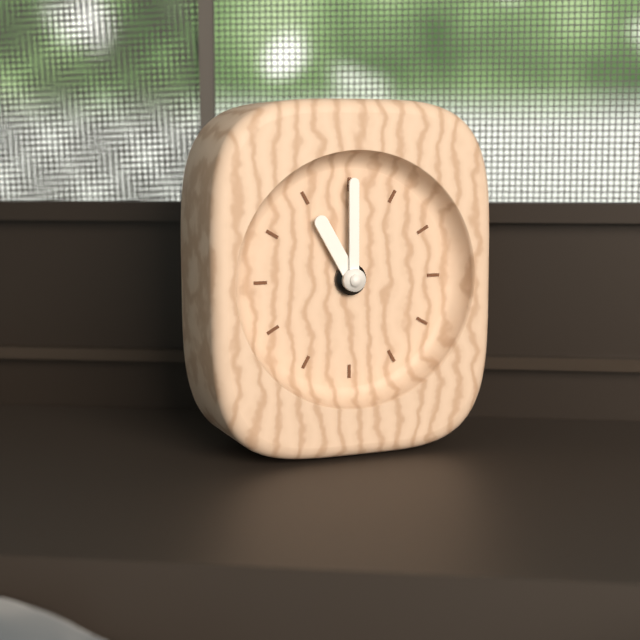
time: 11:00
